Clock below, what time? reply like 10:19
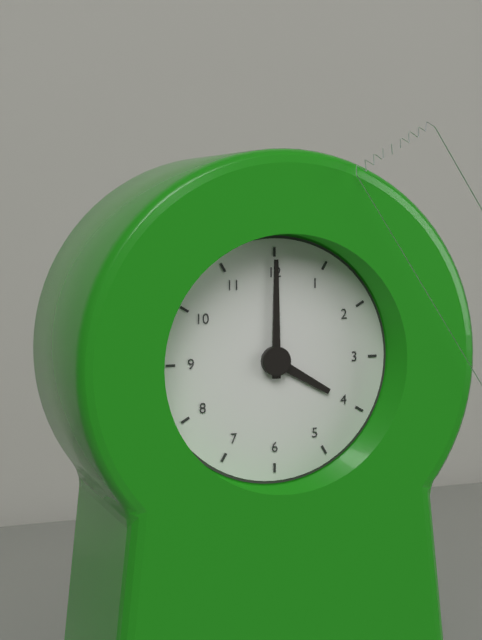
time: 4:00
